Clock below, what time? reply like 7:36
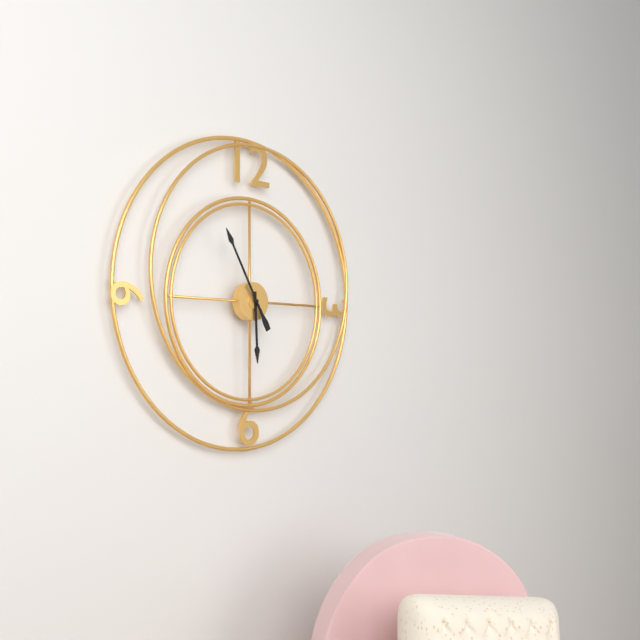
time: 5:55
